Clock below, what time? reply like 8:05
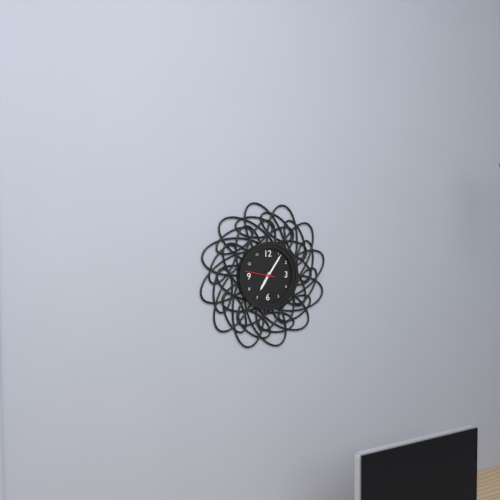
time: 7:06
